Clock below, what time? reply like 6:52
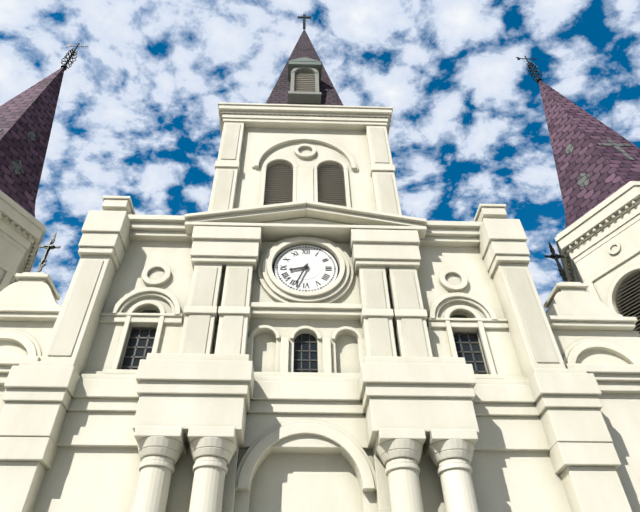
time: 8:34
